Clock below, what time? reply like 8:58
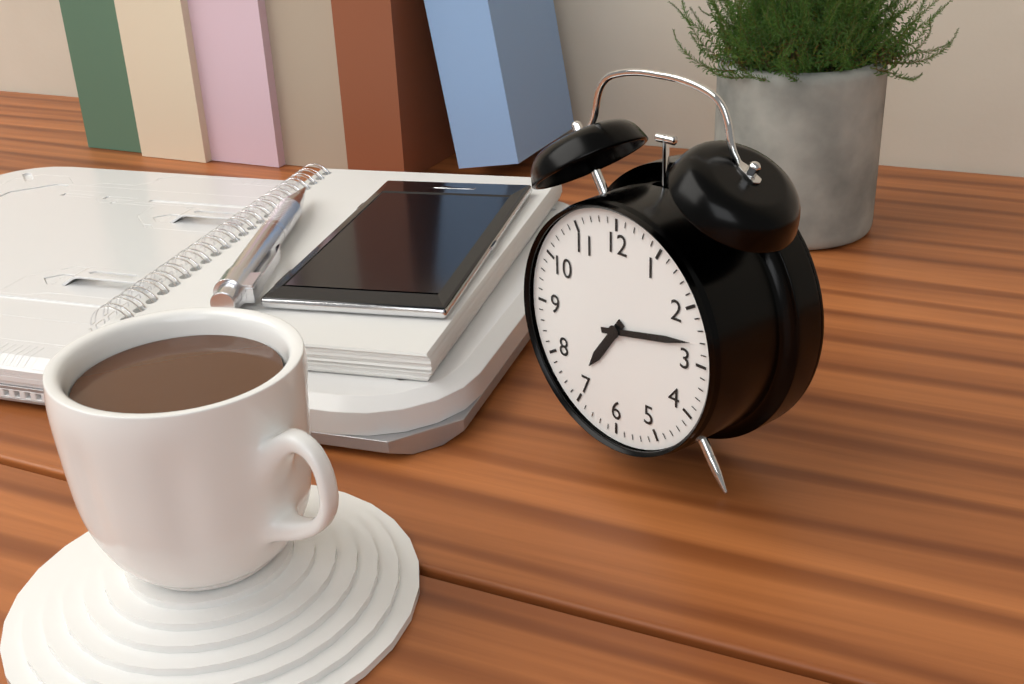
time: 7:13
